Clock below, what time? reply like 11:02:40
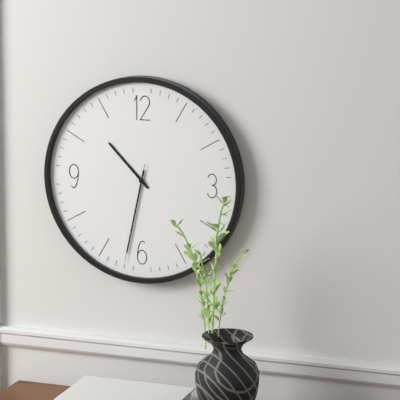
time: 10:32:32
